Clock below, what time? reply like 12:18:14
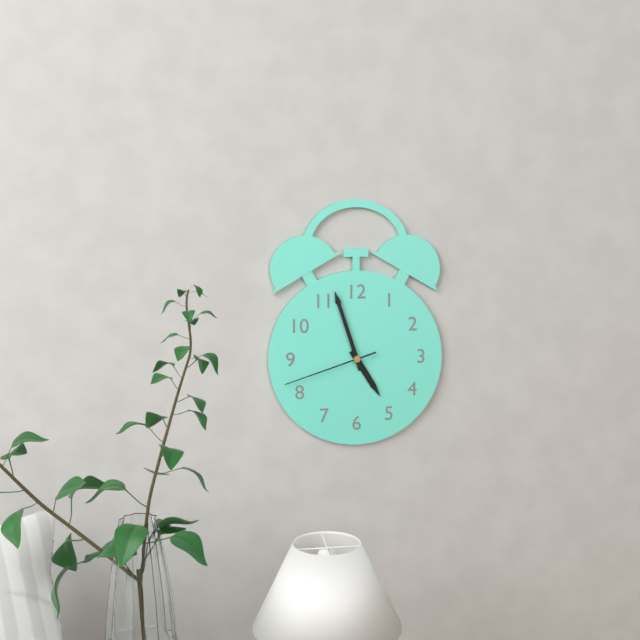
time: 4:57:42
